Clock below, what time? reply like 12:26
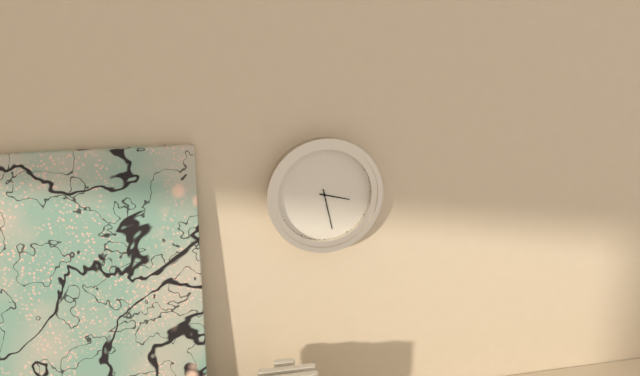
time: 3:28
